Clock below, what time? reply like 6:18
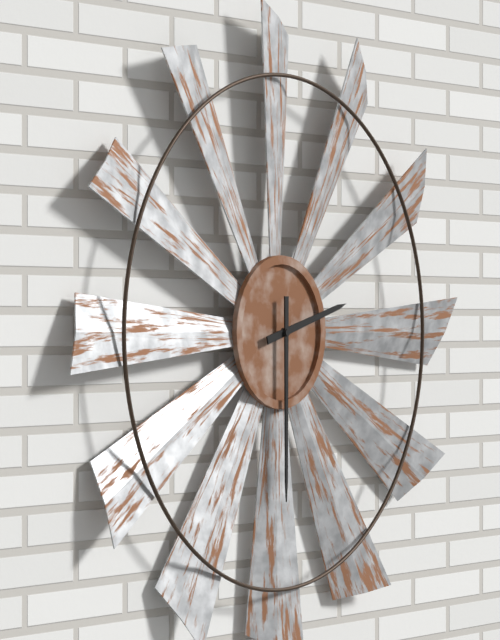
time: 2:30
